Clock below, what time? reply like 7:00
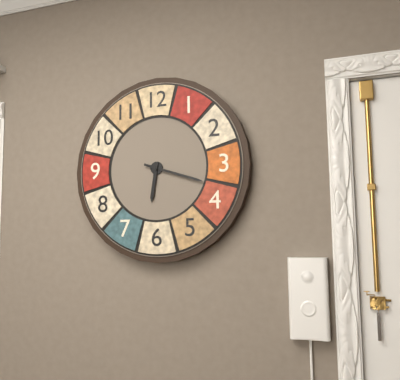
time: 6:18
